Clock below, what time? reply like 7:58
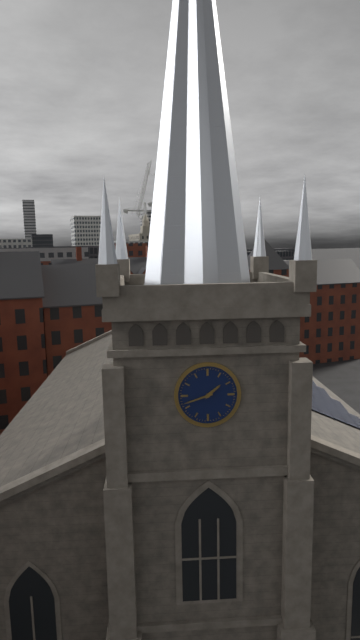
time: 1:42
